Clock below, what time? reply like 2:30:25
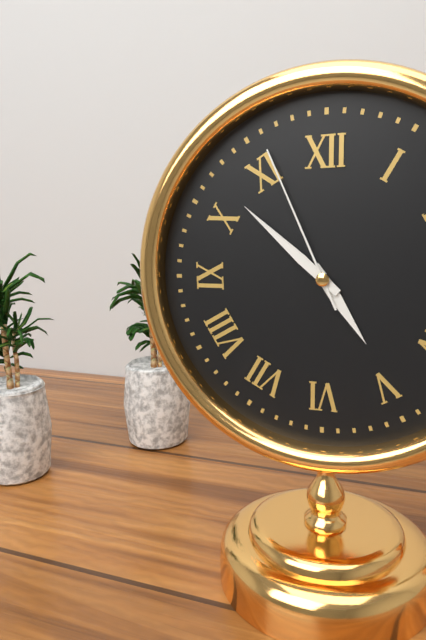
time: 4:52:56
